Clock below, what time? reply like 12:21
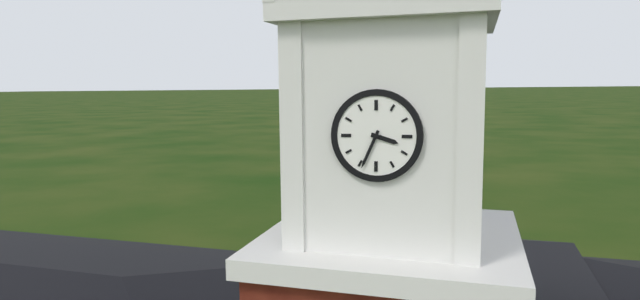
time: 3:34
